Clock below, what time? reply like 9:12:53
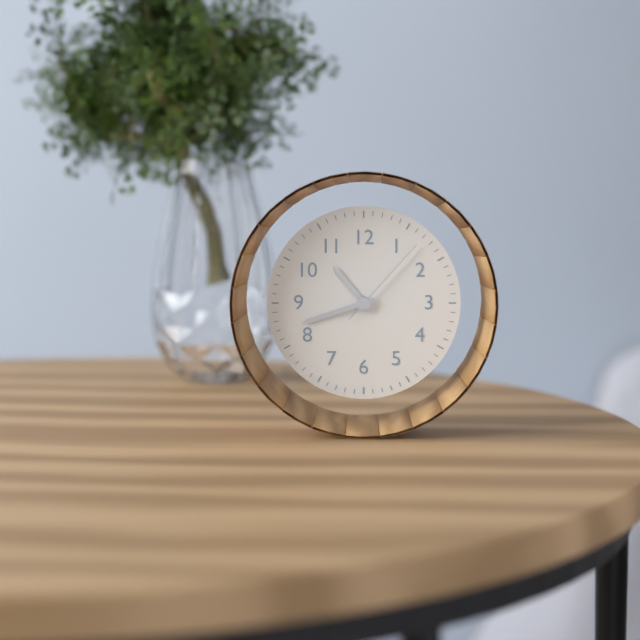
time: 10:42:07
